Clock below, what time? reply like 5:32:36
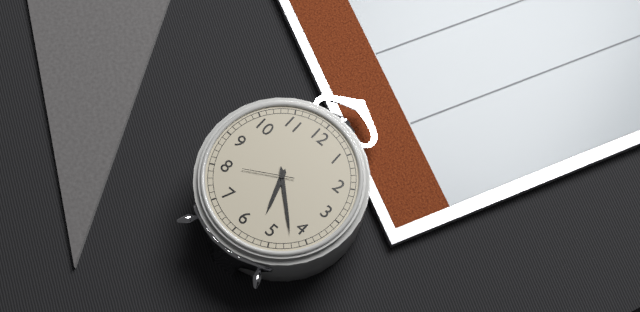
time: 5:22:40
